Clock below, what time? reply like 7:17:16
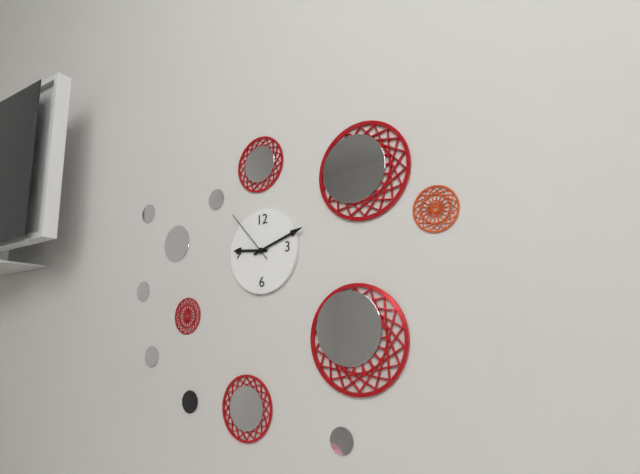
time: 9:12:53
